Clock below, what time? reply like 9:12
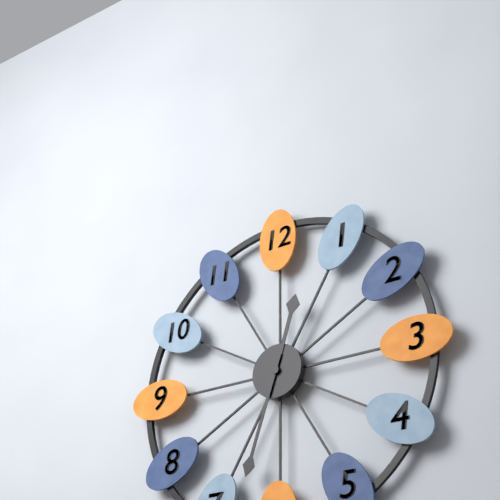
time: 12:33
